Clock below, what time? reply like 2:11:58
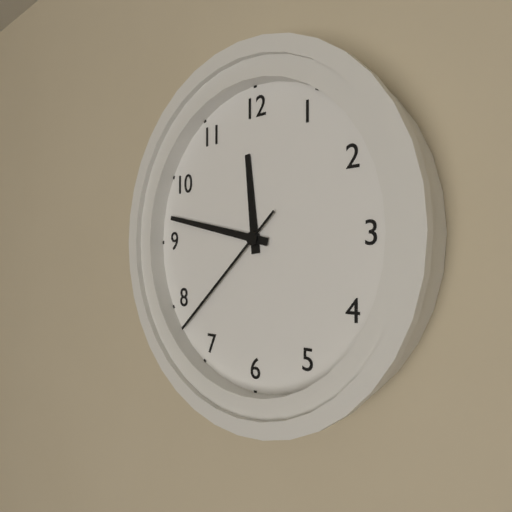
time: 11:47:38
